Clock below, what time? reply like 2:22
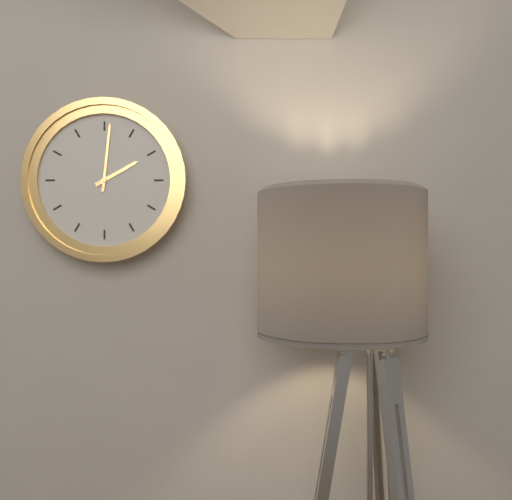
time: 2:01
